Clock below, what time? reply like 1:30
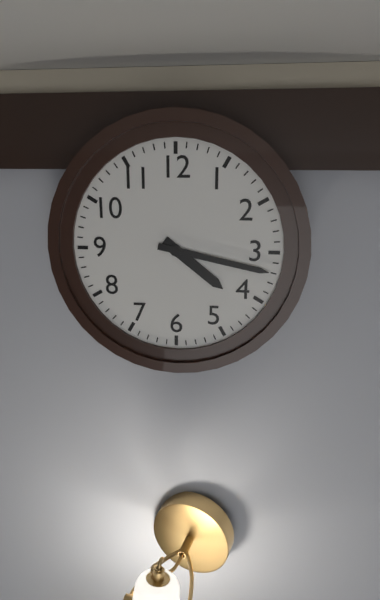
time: 4:17
